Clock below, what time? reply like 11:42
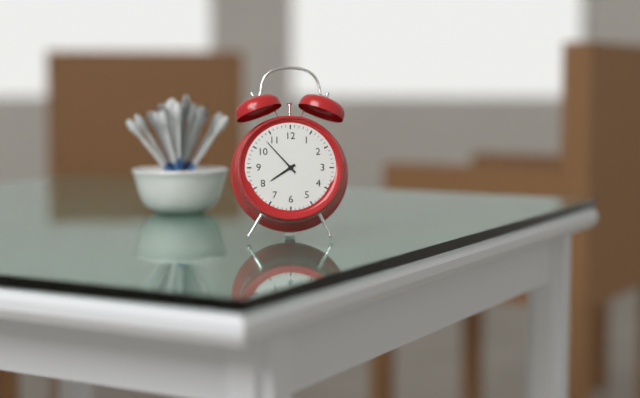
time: 7:53
